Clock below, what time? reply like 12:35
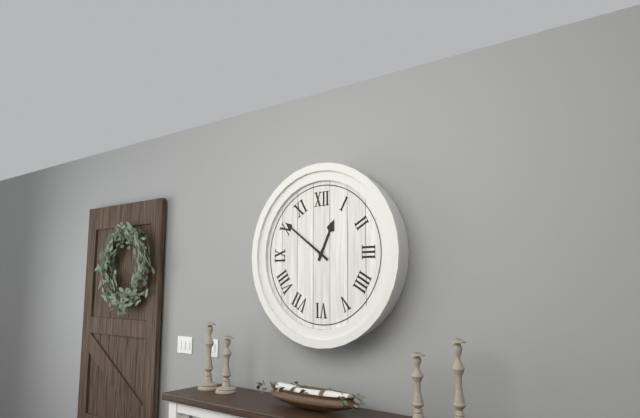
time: 12:51
